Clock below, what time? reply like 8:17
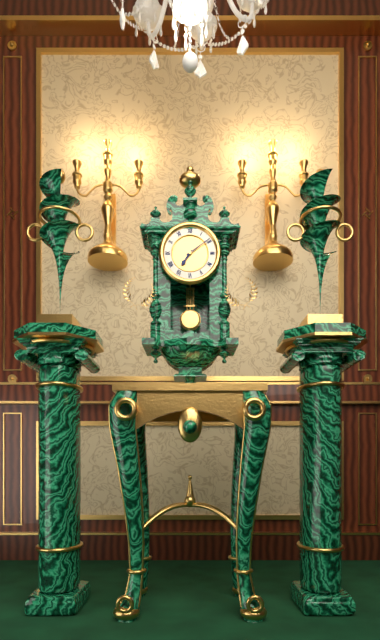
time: 7:09
